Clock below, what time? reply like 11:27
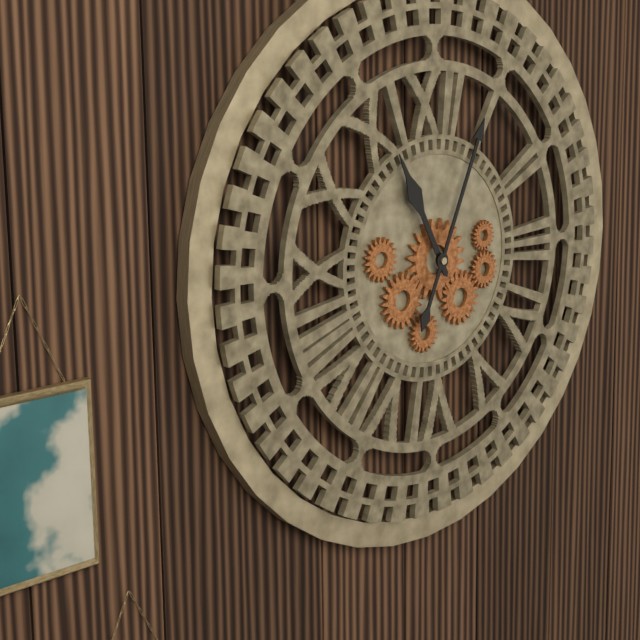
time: 11:04
